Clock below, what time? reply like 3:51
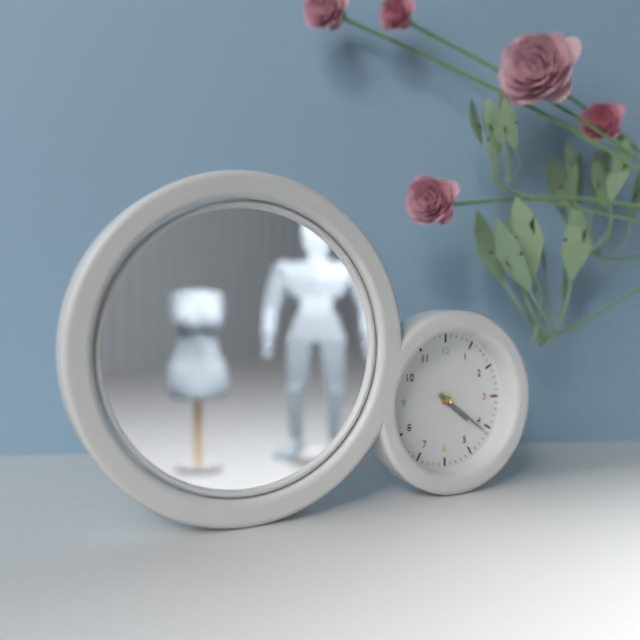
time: 4:21
